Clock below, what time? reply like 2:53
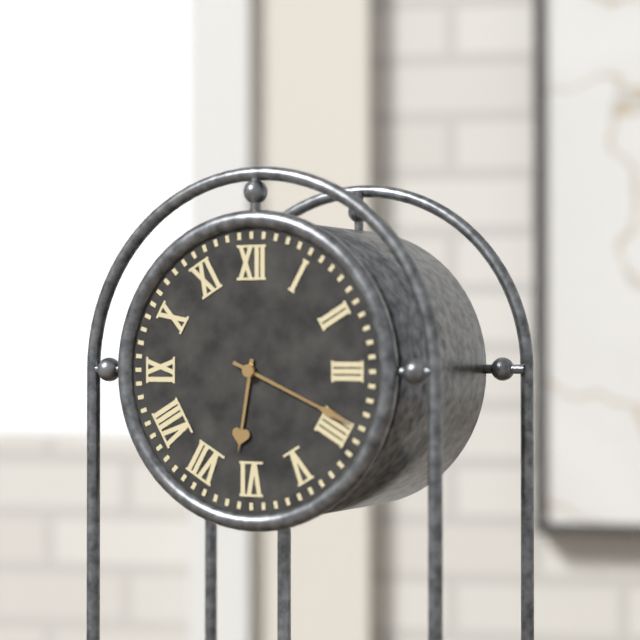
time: 6:19
